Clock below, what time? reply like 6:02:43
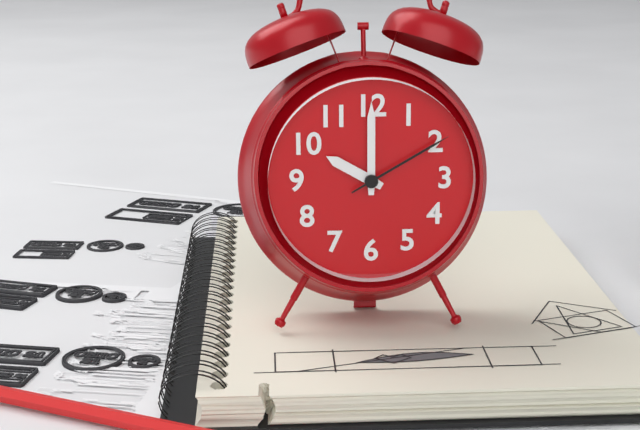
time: 10:00:10
